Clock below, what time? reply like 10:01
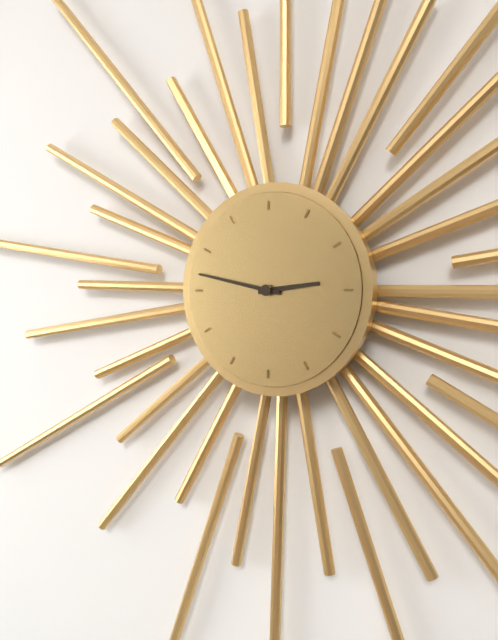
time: 2:47
